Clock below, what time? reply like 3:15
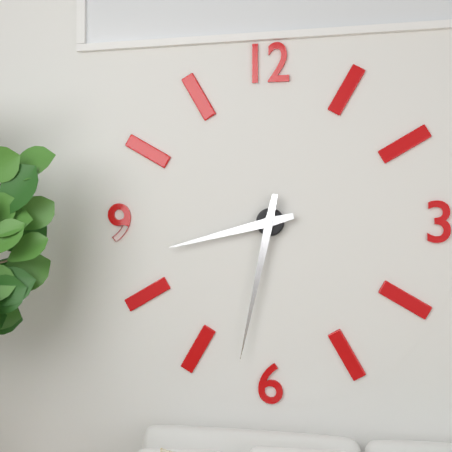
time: 8:32
